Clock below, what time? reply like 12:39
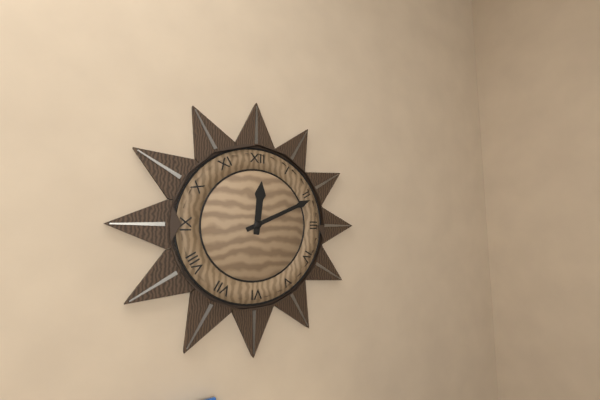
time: 12:11
